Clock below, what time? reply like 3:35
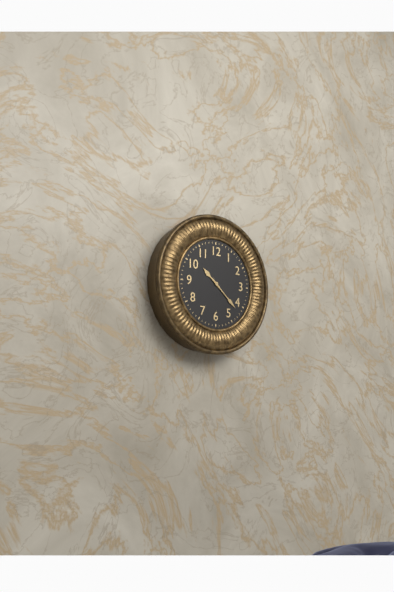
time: 10:22
